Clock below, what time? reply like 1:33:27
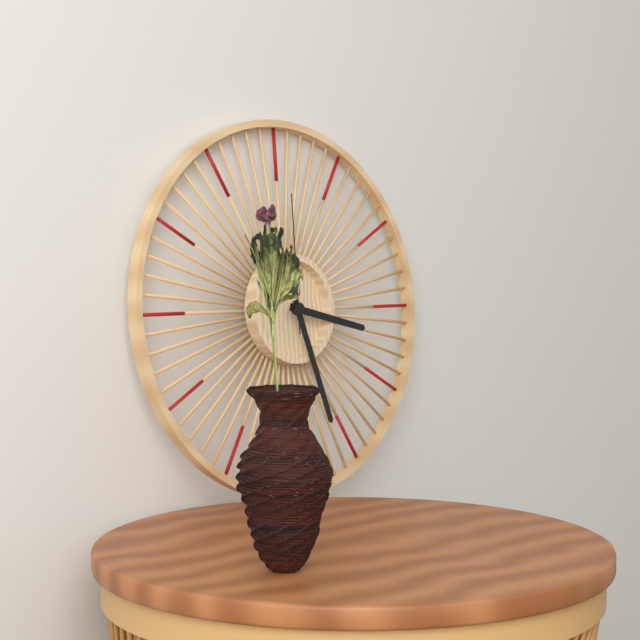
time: 3:27:00
